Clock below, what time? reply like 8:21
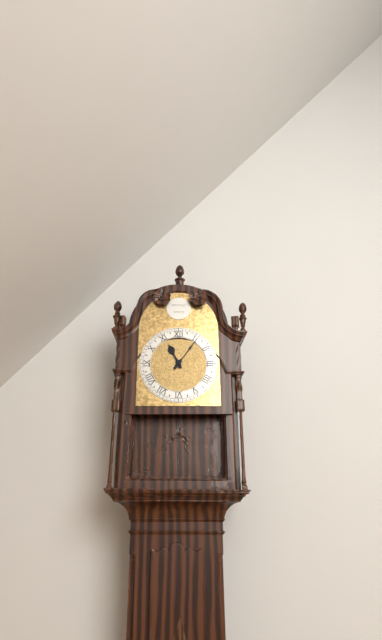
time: 11:06
